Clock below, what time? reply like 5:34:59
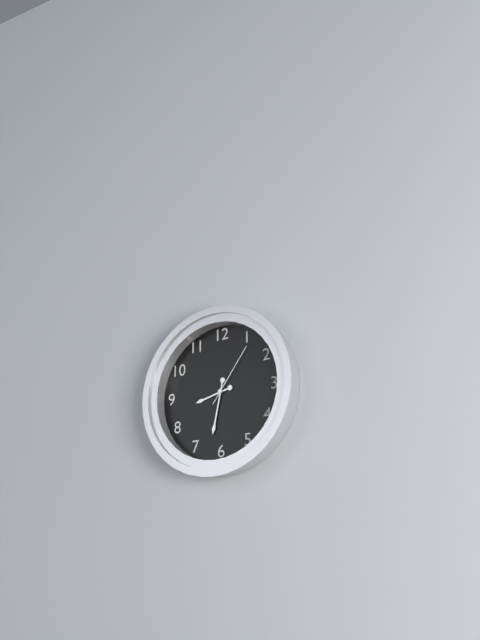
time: 8:32:06
